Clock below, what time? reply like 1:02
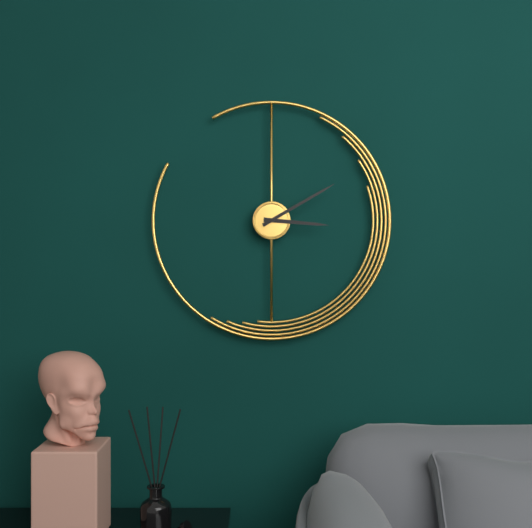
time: 3:10
